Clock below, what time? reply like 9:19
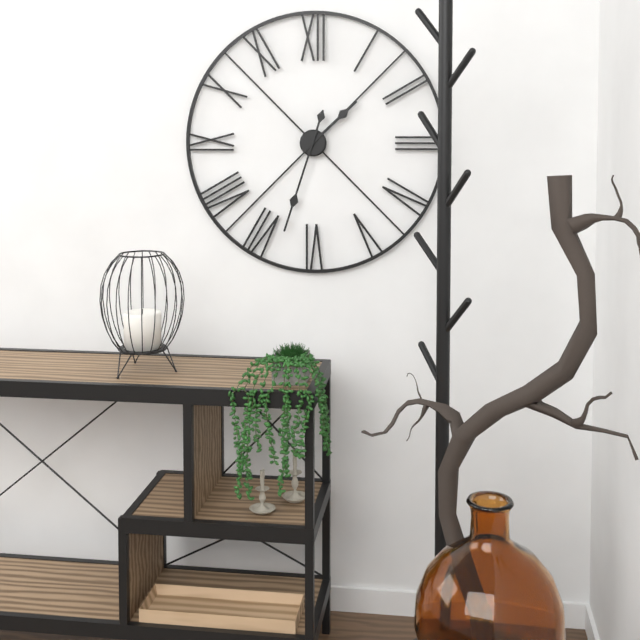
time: 1:33
